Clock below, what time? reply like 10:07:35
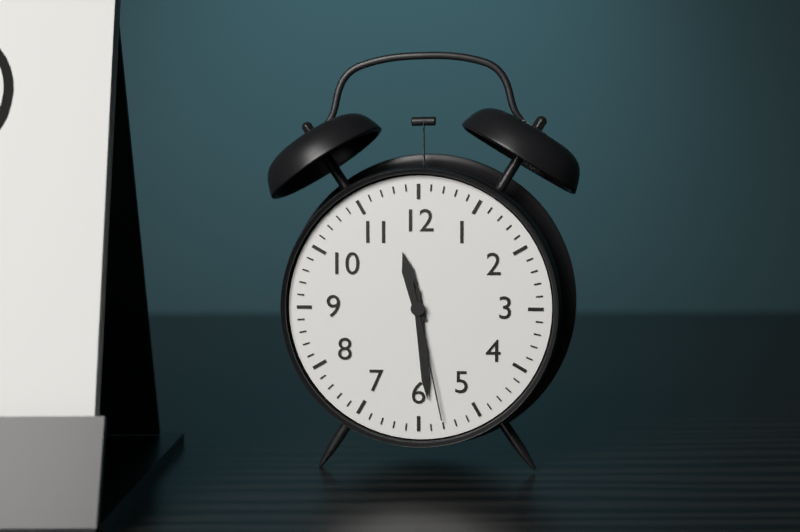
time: 11:29:28
